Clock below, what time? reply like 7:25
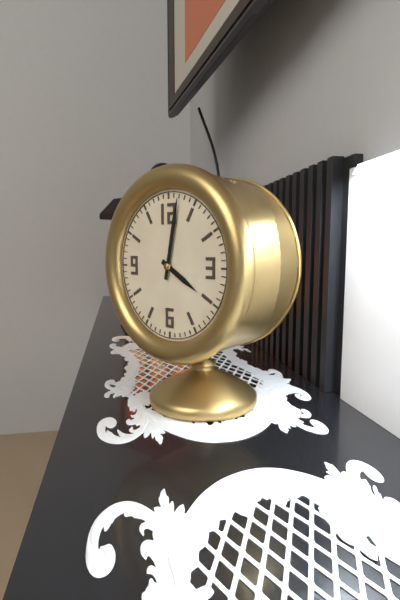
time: 4:02
